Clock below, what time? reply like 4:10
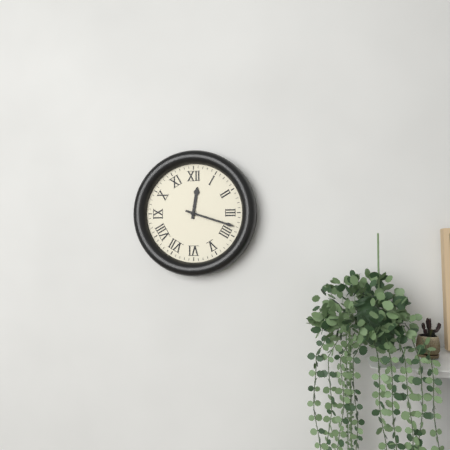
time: 12:18
